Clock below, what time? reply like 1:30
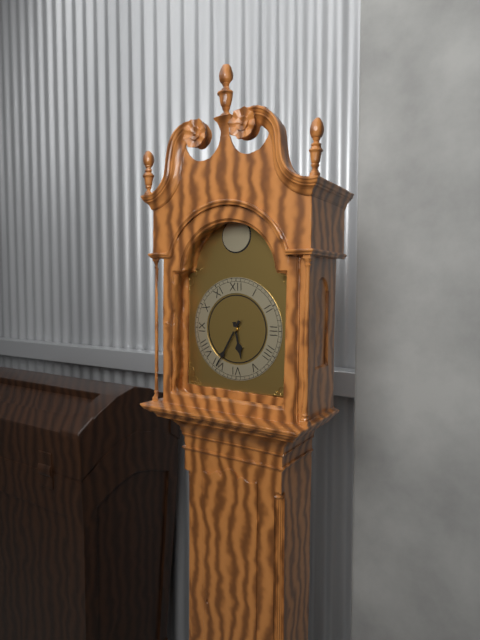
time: 5:35
